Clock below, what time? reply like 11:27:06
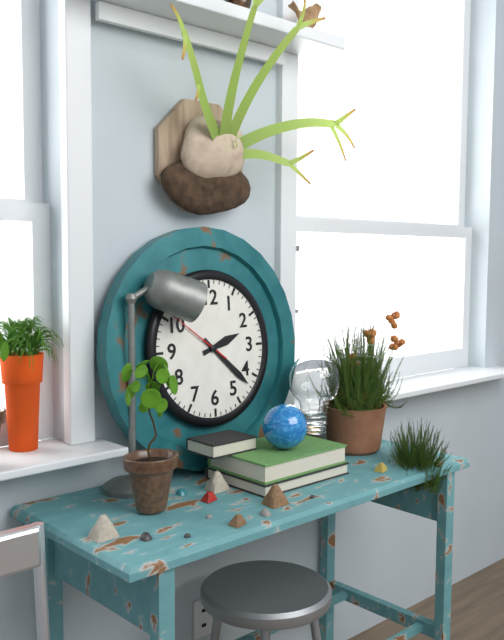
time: 2:22:51
